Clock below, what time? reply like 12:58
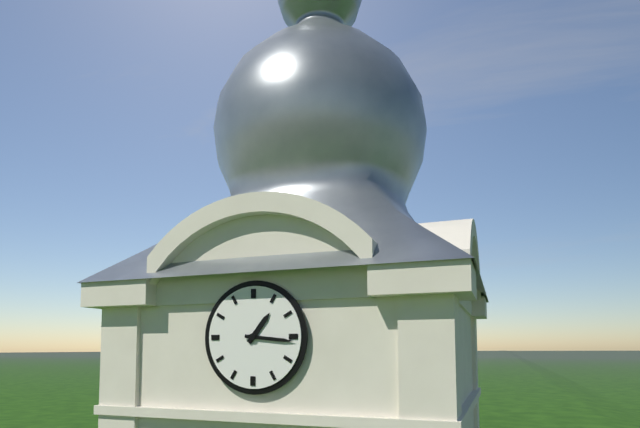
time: 1:16
